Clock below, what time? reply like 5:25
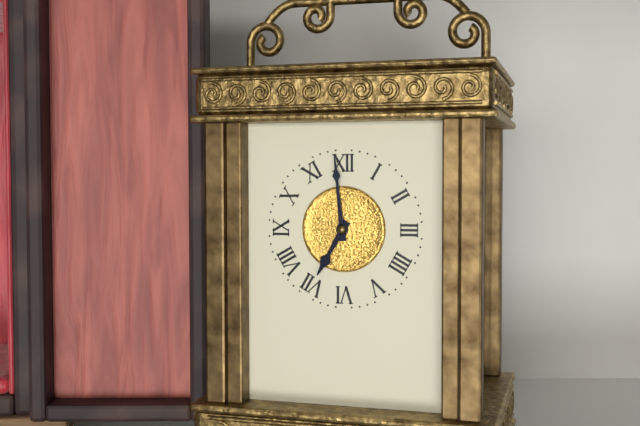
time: 6:59
